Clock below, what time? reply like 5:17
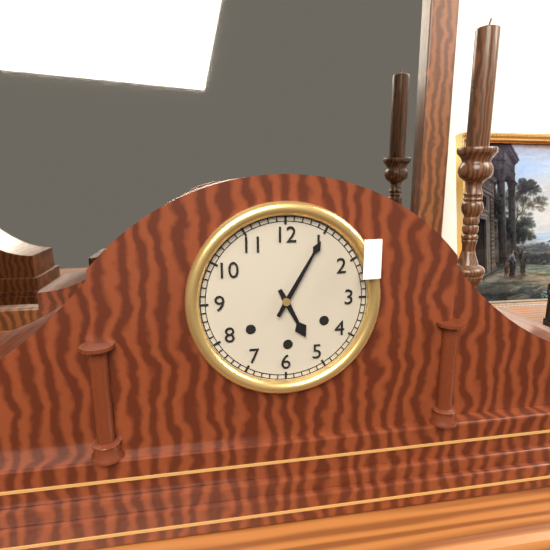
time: 5:05
